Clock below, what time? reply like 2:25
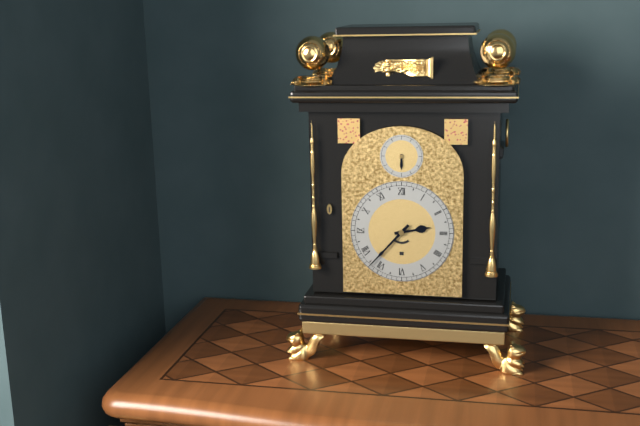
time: 2:37
